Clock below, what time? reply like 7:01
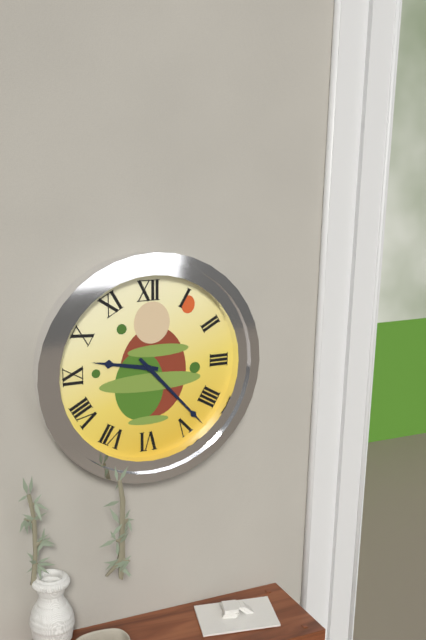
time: 9:23
